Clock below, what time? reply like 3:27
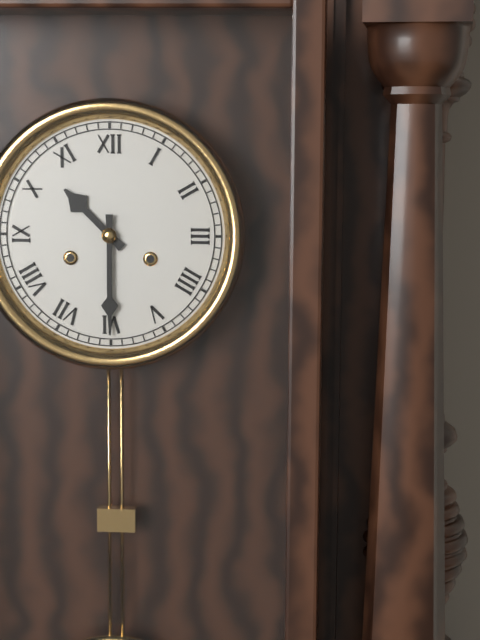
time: 10:30
